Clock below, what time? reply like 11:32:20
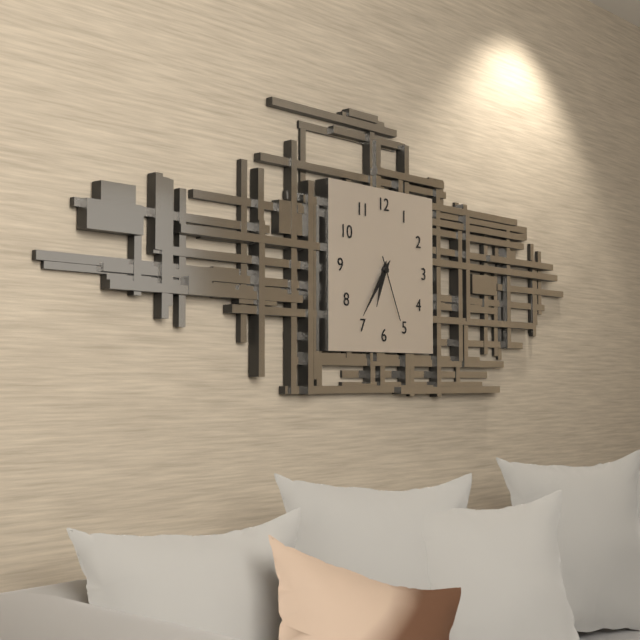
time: 6:36:26
